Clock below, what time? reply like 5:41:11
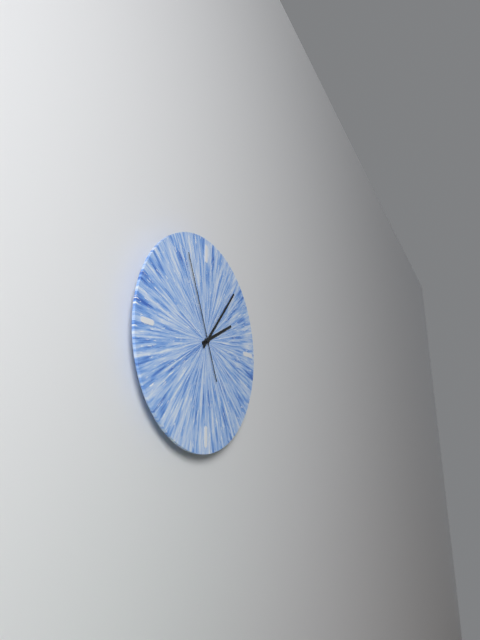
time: 2:07:56
